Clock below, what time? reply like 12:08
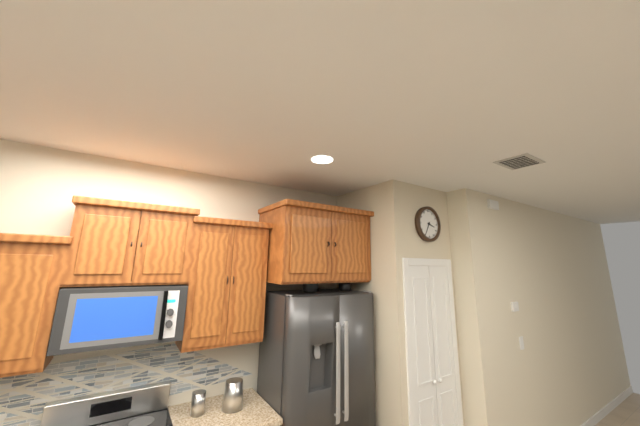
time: 3:35
